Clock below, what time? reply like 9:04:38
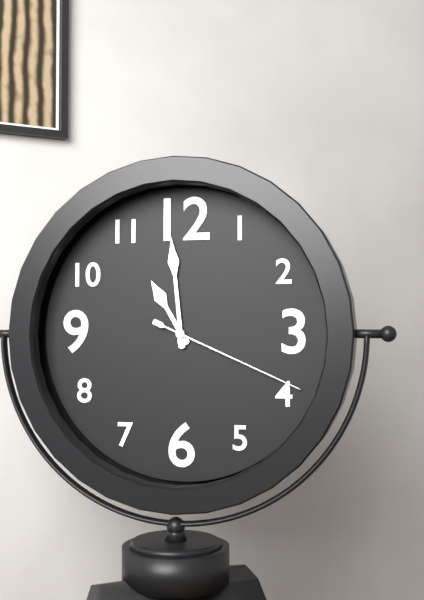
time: 10:59:19
